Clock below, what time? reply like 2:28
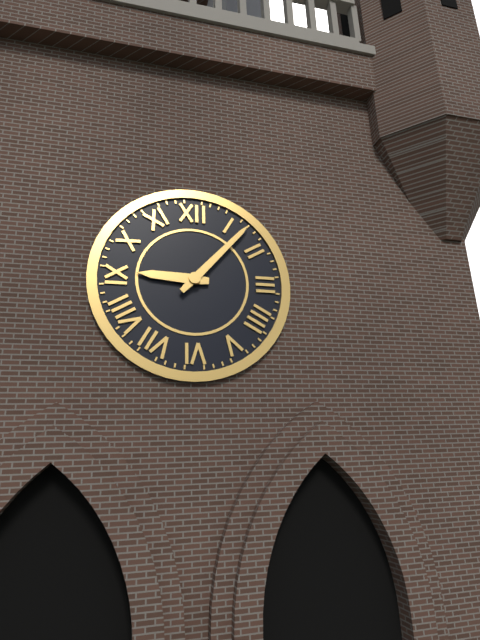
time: 9:07
